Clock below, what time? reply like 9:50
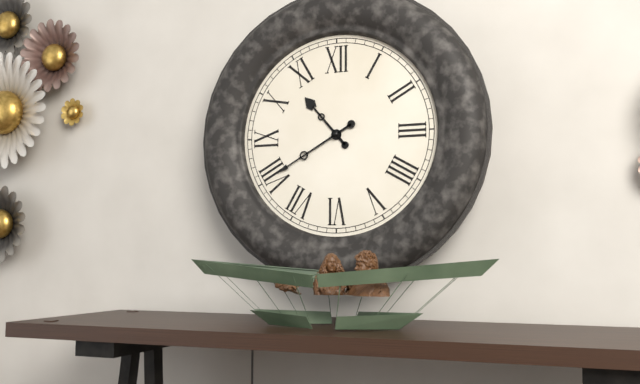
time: 10:40
